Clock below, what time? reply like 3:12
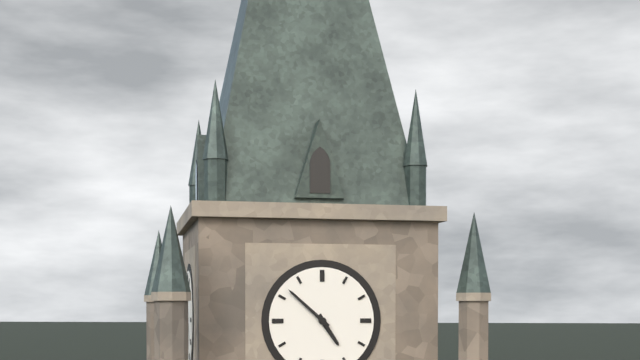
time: 4:52
